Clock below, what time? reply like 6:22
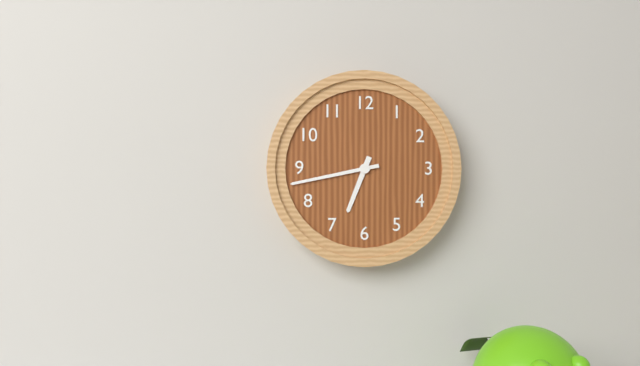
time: 6:43
